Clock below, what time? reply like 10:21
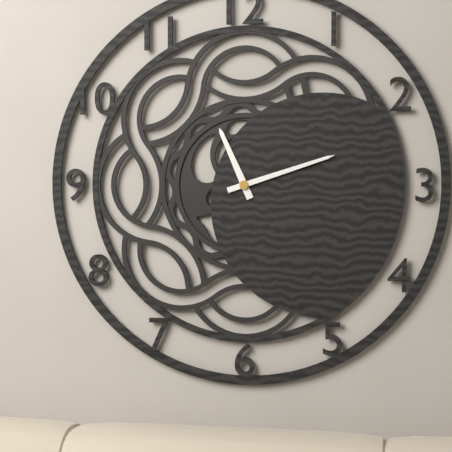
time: 11:12
